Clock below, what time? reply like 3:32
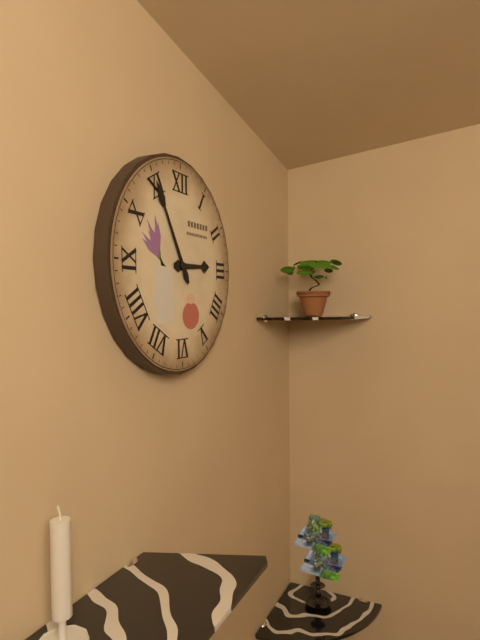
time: 2:55
